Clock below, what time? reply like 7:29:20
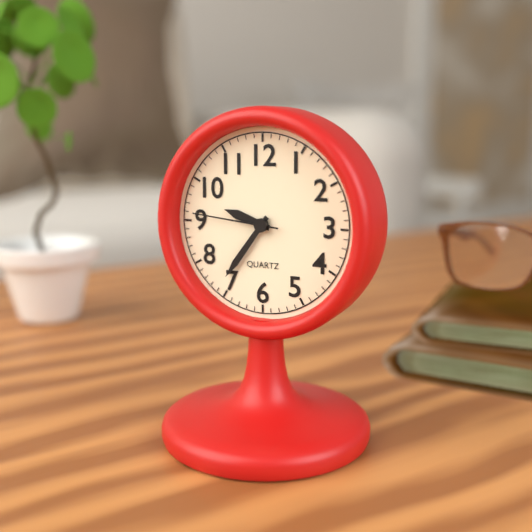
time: 9:36:46
